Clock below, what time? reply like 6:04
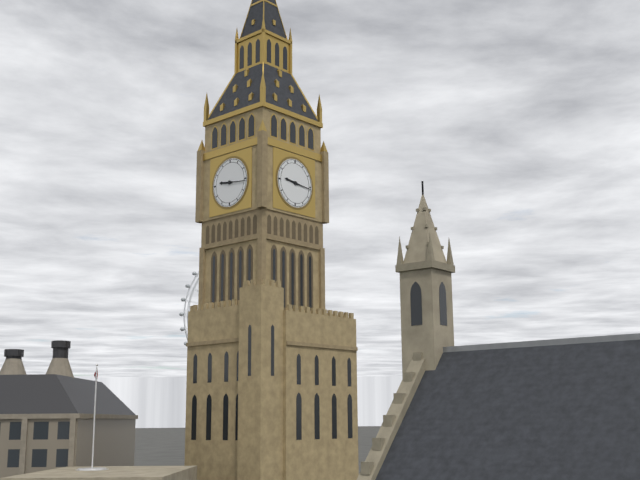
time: 9:16
